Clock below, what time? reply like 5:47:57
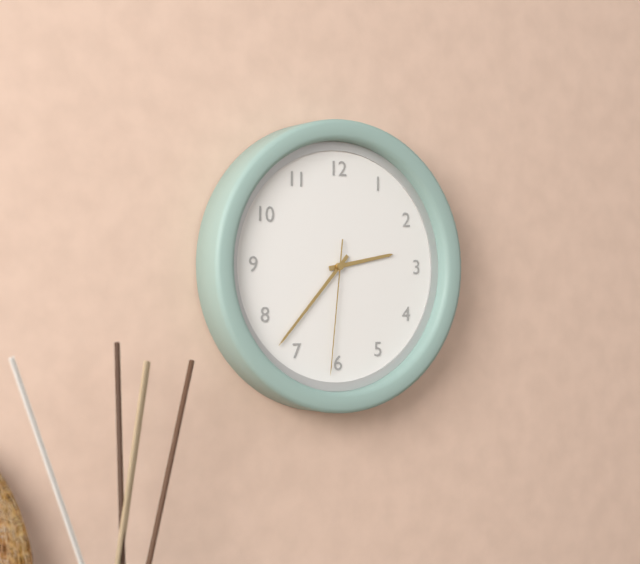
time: 2:37:31
